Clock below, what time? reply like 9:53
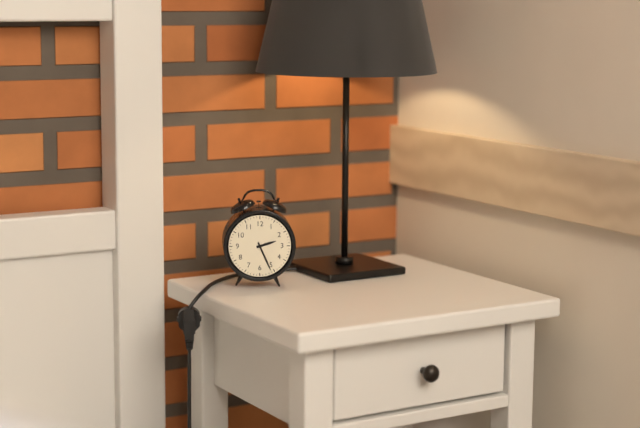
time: 2:26
